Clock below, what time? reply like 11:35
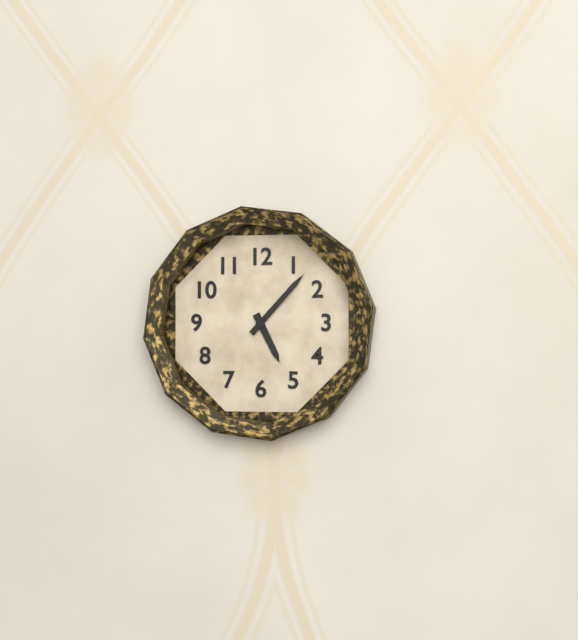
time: 5:07
